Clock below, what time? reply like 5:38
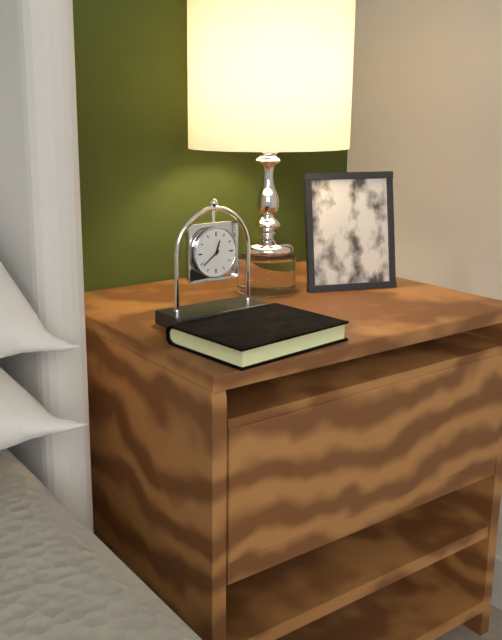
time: 12:39
